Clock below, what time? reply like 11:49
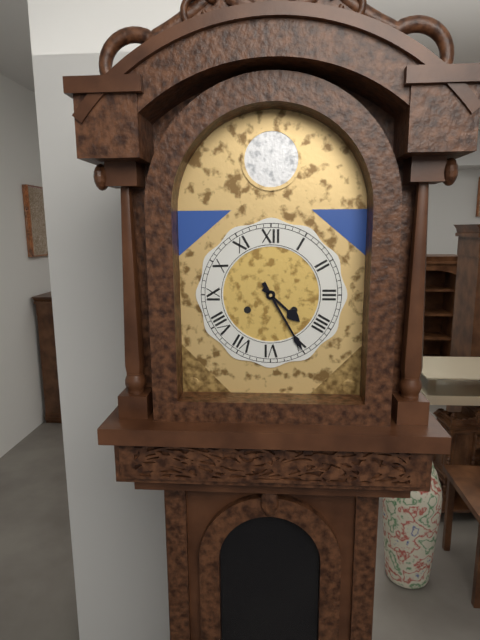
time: 4:25
